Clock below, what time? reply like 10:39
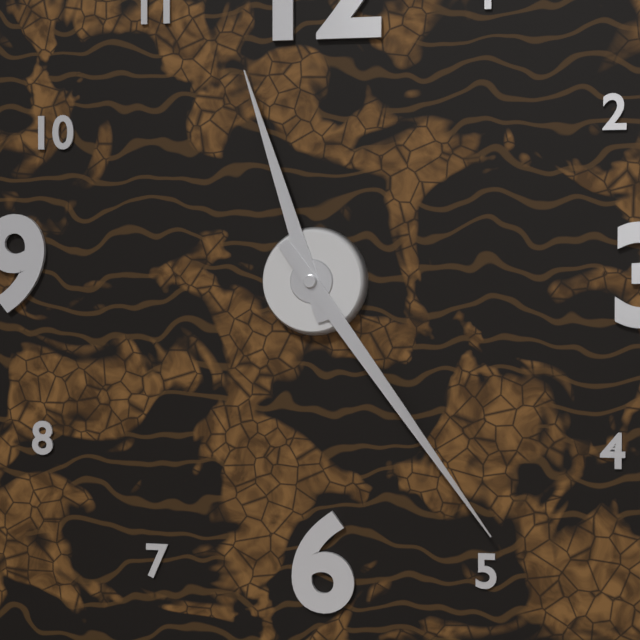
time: 11:24
